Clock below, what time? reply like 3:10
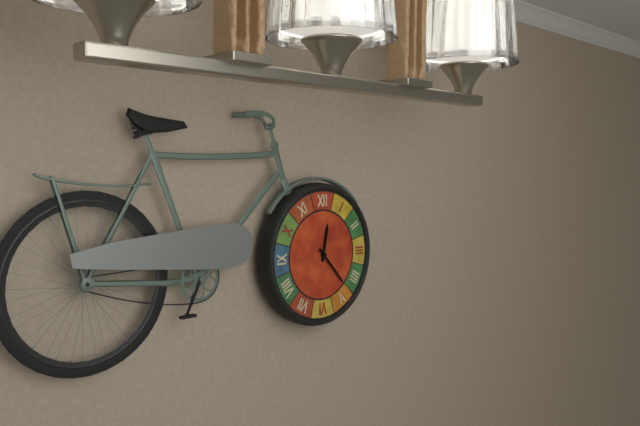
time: 12:23
